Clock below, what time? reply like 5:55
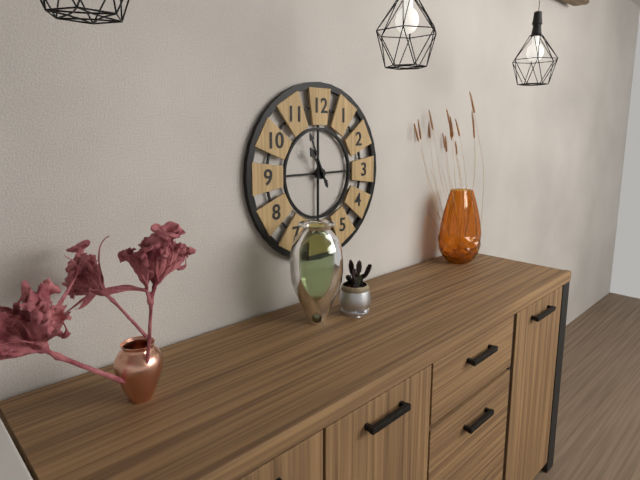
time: 10:56
